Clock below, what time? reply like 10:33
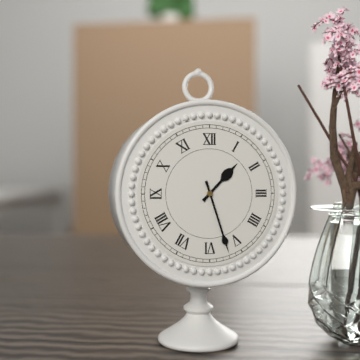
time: 1:27
